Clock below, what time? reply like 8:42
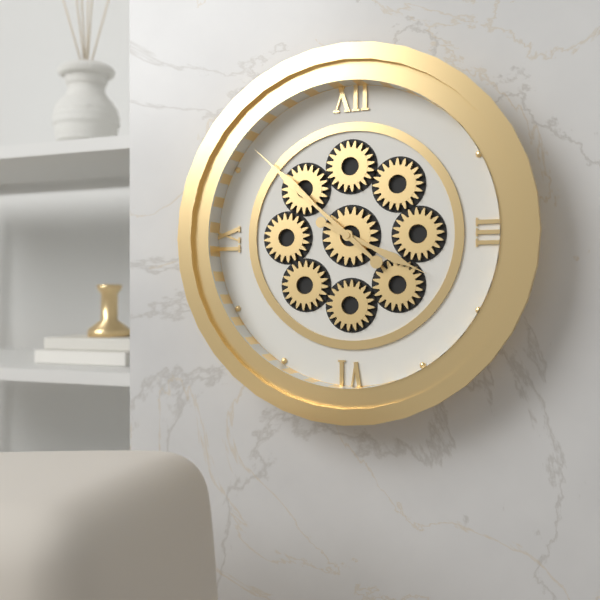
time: 3:52
